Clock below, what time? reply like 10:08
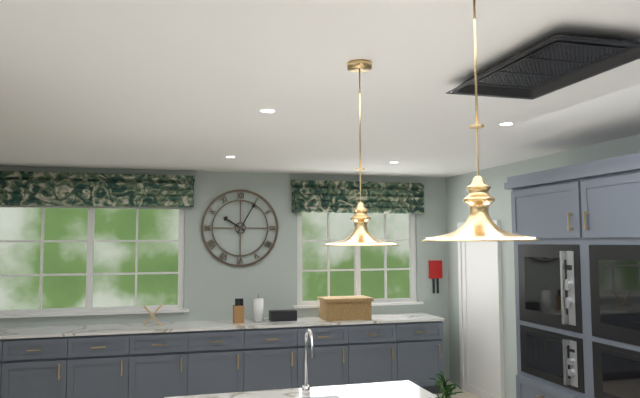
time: 10:05
